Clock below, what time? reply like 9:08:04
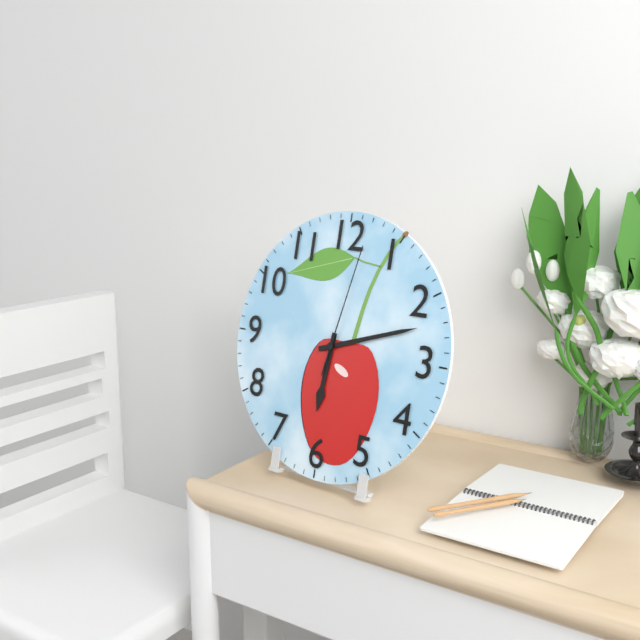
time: 6:12:02
